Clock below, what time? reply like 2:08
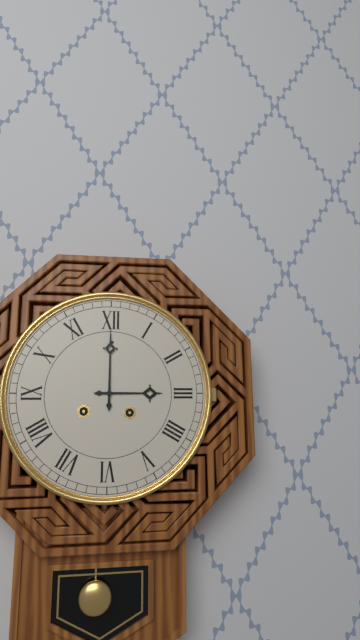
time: 3:00
